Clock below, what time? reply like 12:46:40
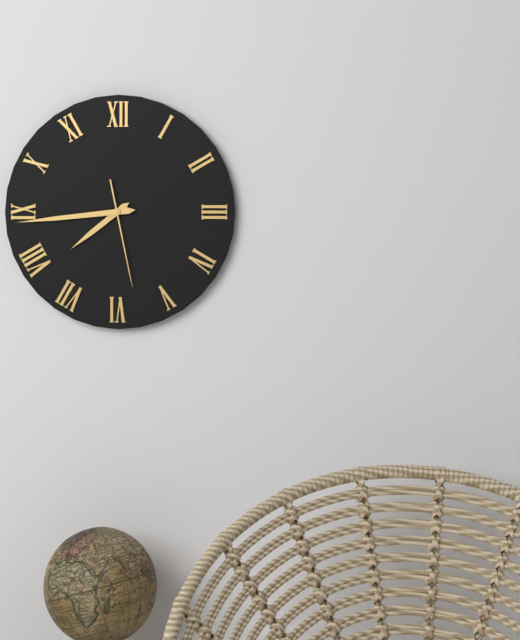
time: 7:44:28
